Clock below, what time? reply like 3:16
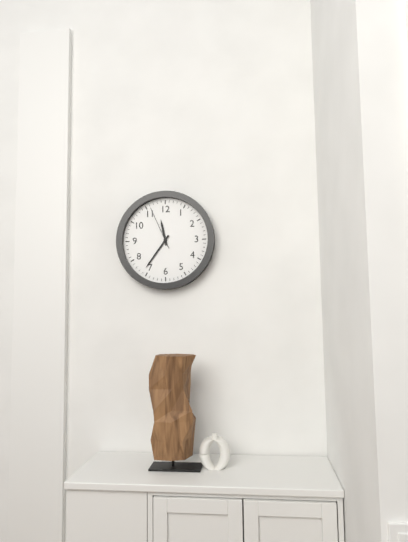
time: 11:36
